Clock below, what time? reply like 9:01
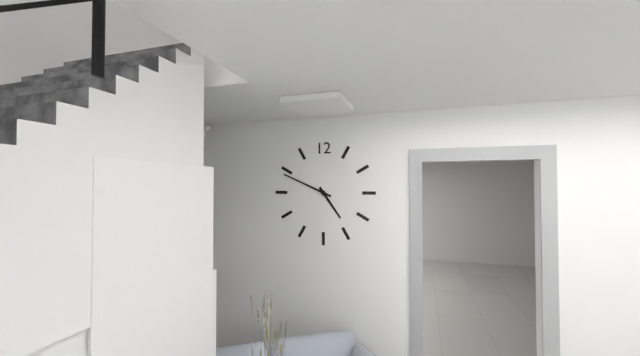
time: 4:49
